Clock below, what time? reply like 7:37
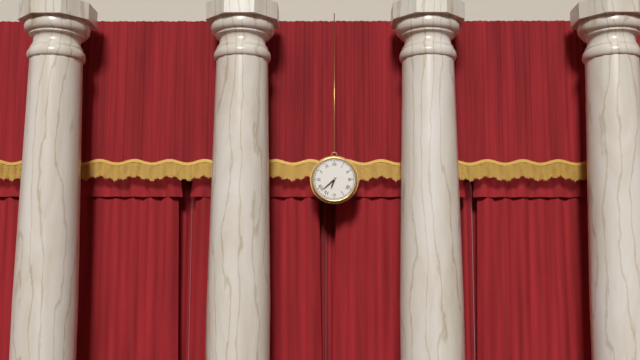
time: 6:38
